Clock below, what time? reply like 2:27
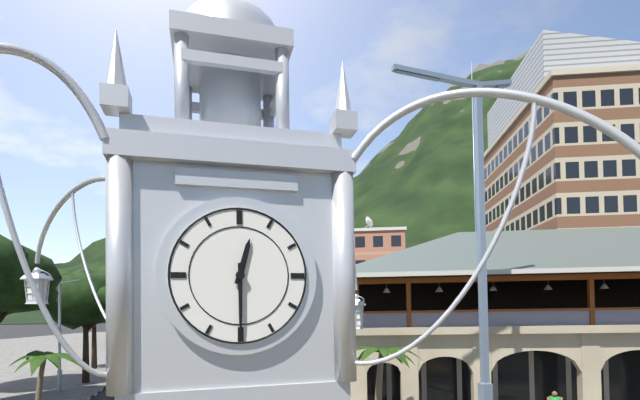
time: 12:30
